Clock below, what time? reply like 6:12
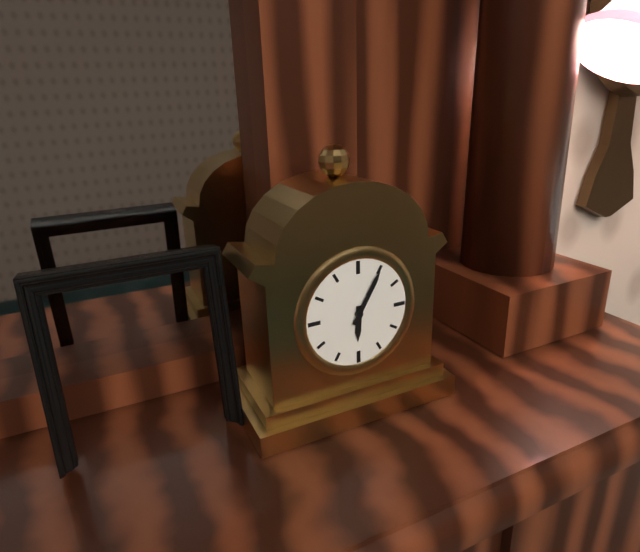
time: 6:05
